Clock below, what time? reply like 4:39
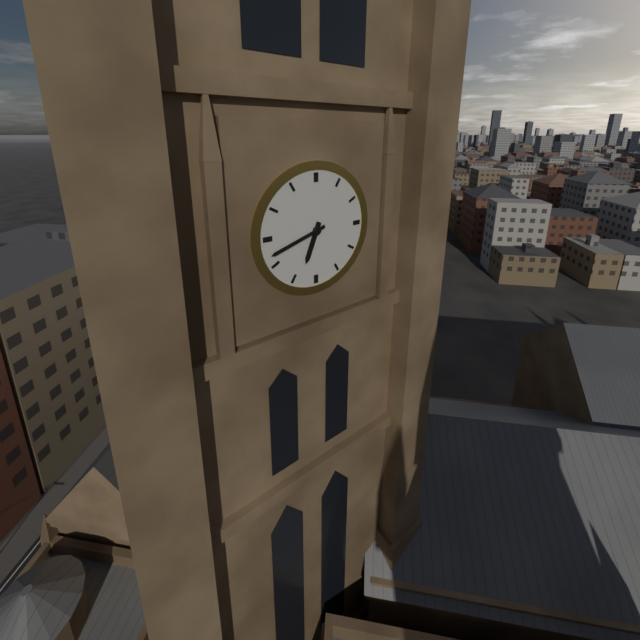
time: 6:42
